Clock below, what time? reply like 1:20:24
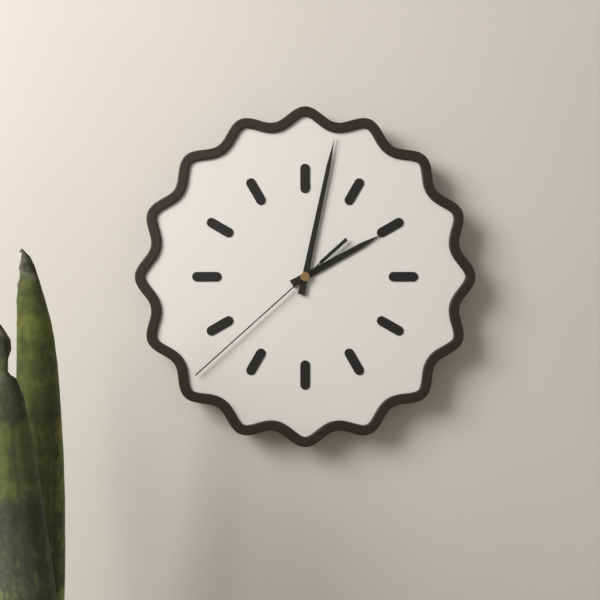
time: 2:02:38
